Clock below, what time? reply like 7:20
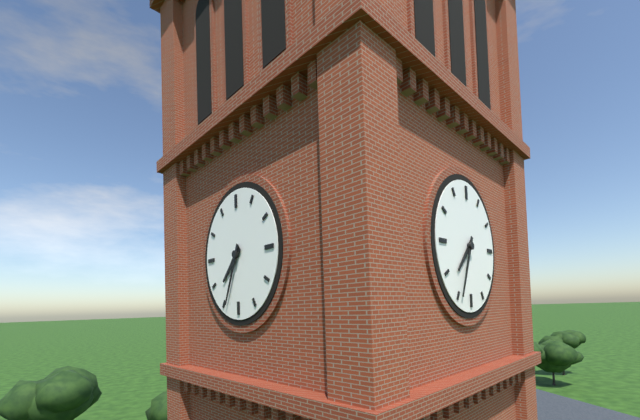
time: 7:34
